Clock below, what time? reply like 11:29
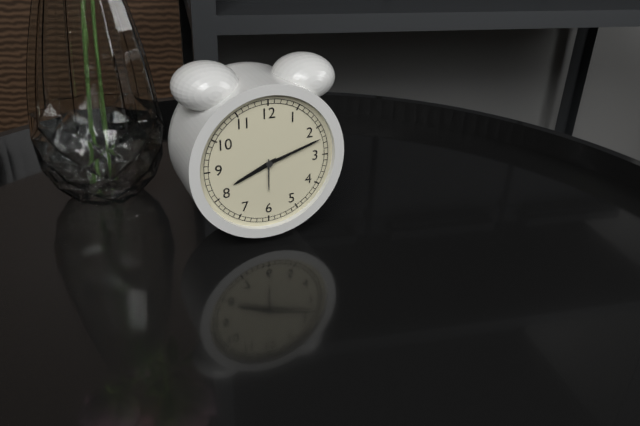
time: 8:12
